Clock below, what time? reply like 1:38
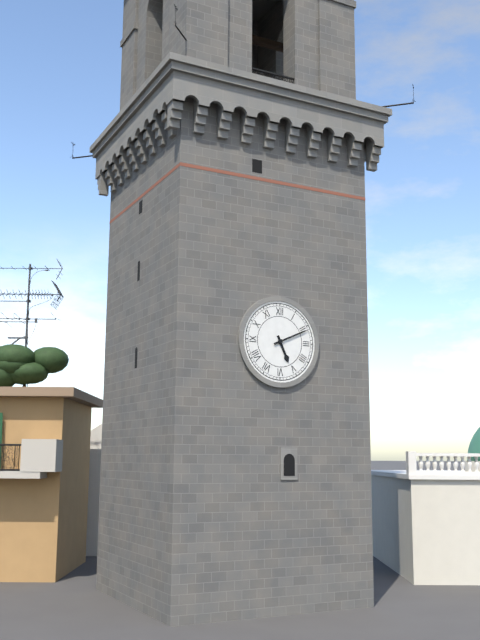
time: 5:11
